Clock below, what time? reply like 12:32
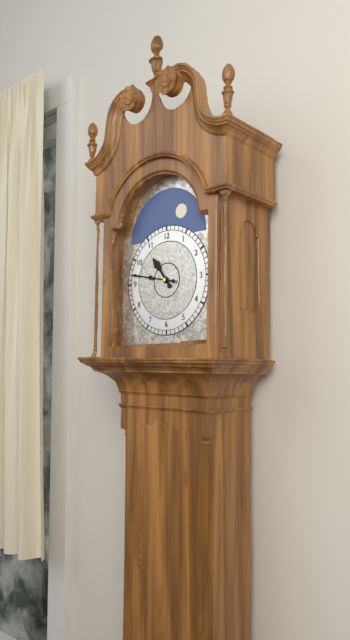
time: 10:47
